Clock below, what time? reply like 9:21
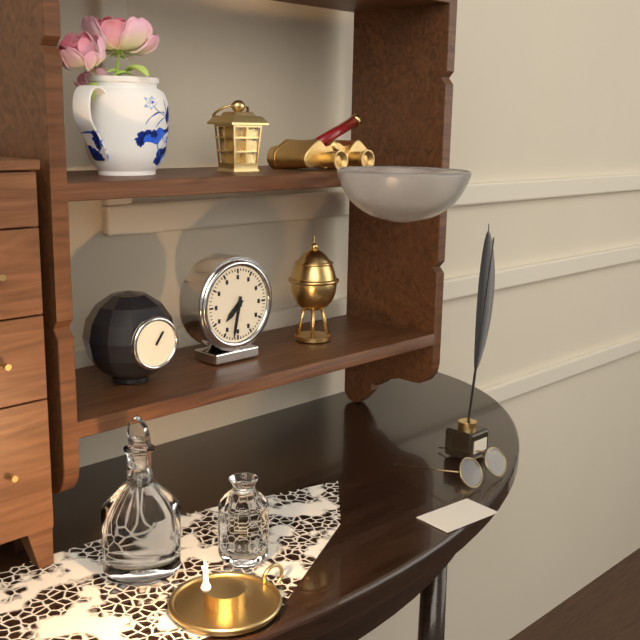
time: 7:32
